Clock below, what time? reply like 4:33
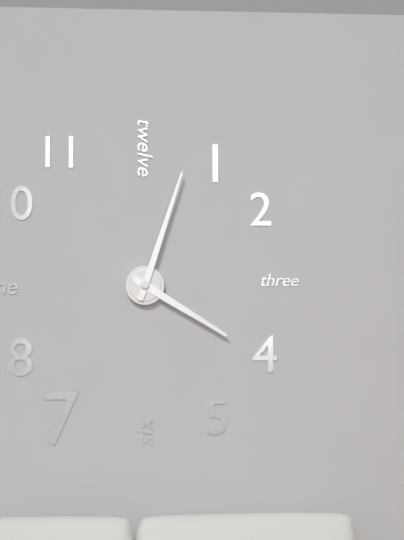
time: 4:03
